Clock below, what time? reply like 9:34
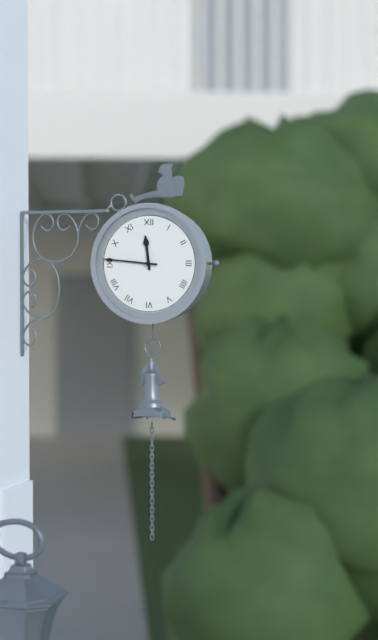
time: 11:46
